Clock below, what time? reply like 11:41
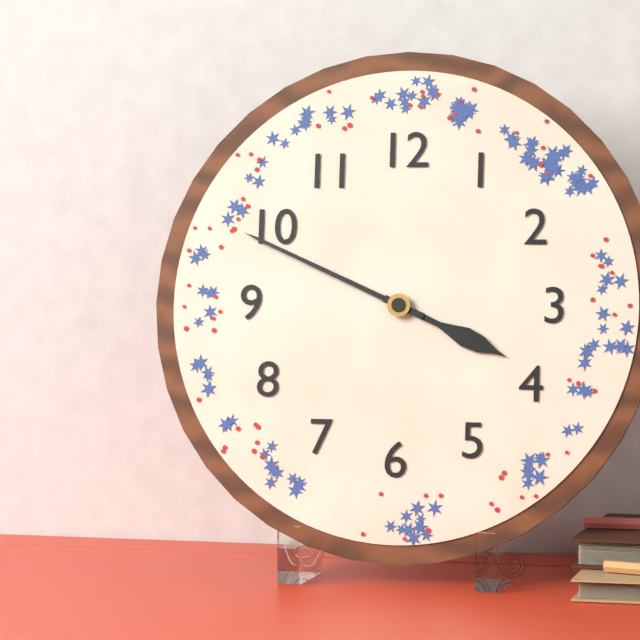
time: 3:49
